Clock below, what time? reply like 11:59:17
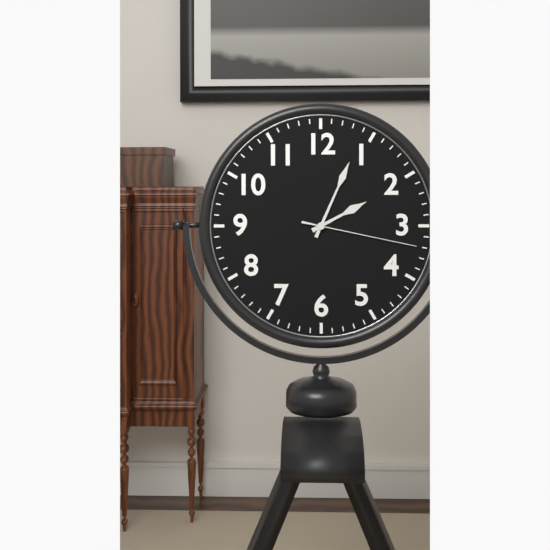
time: 2:04:17
